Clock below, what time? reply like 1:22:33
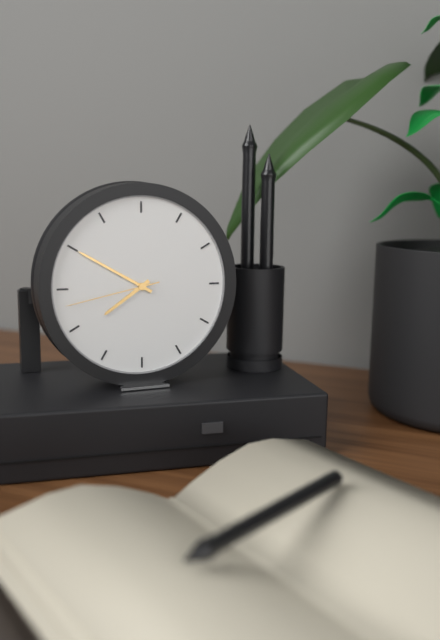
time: 7:50:43
